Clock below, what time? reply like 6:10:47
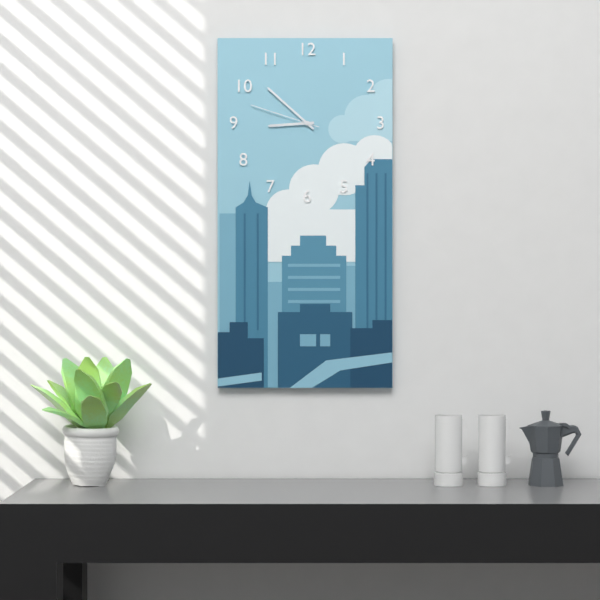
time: 8:52:48
